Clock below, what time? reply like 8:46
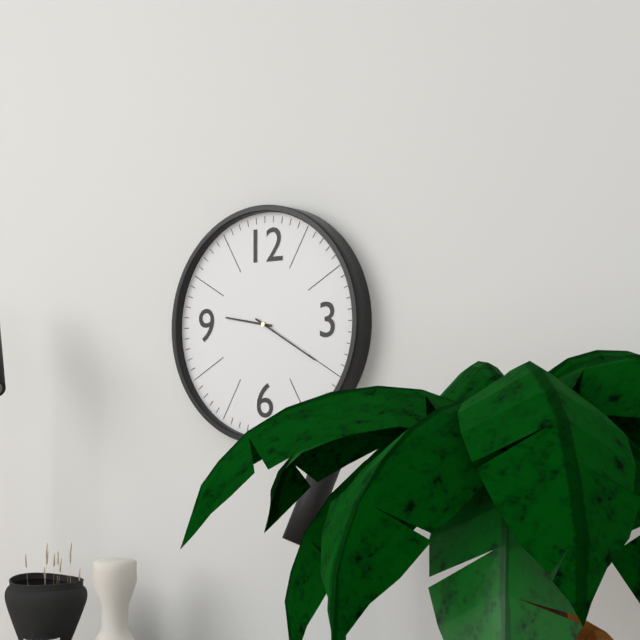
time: 9:20
